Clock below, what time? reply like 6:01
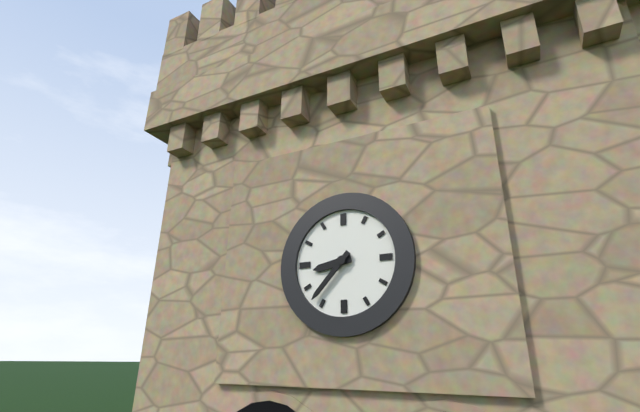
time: 8:37
